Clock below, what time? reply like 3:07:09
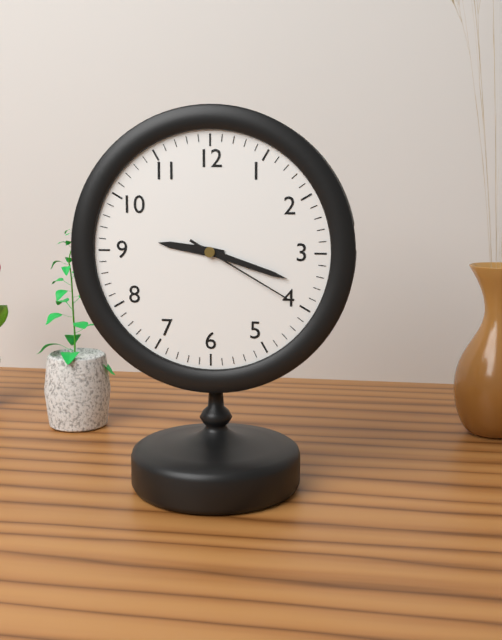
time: 9:18:20
